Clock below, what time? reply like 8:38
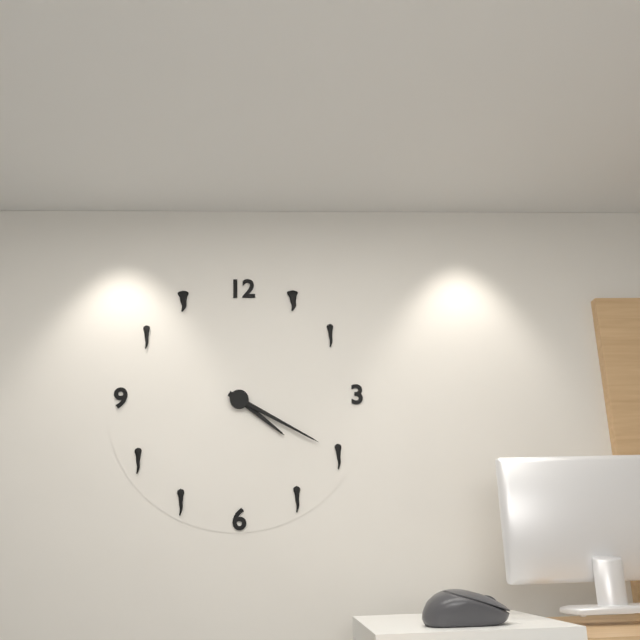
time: 4:20
